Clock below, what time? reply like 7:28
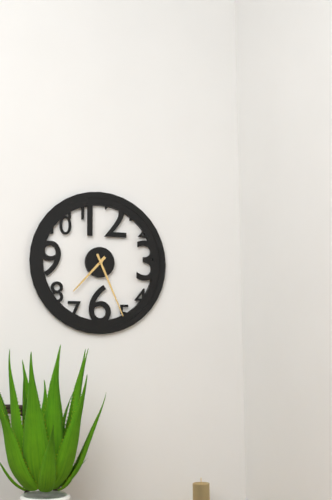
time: 7:26
